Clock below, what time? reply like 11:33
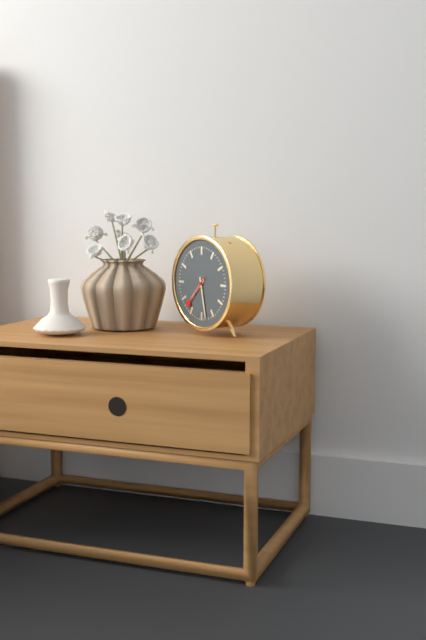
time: 7:28
